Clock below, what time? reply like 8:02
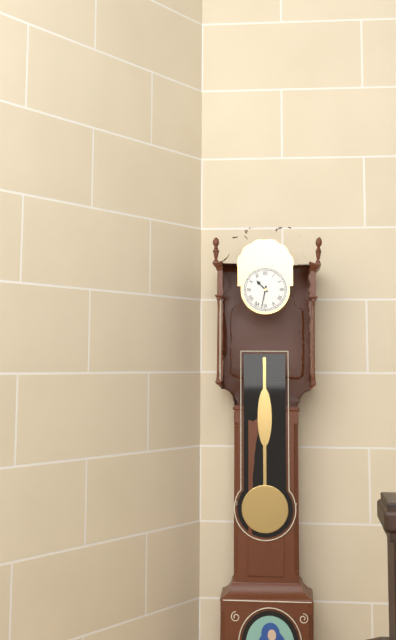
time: 10:32
